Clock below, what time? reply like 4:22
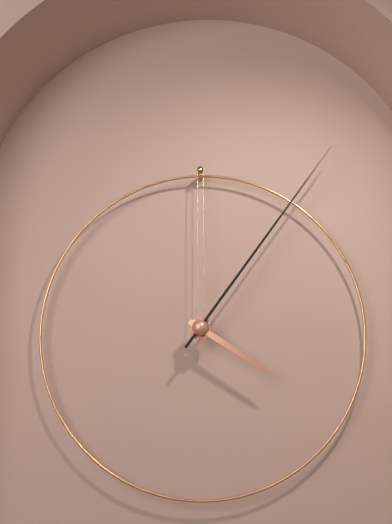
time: 4:06
